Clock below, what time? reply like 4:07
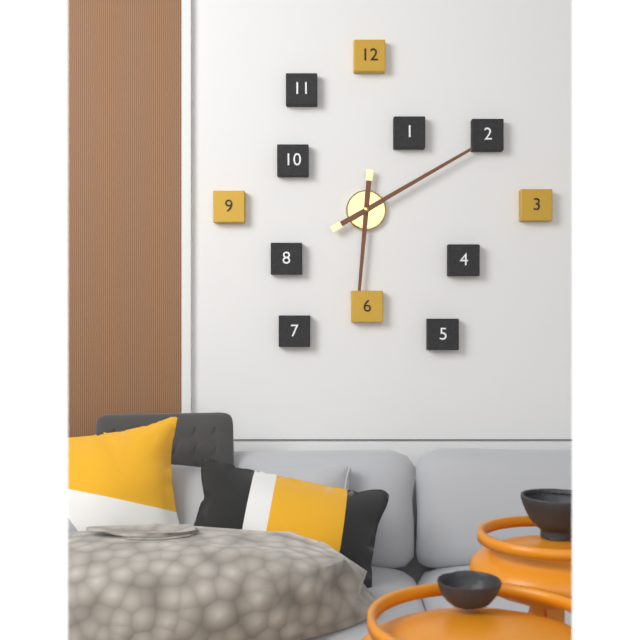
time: 6:10
